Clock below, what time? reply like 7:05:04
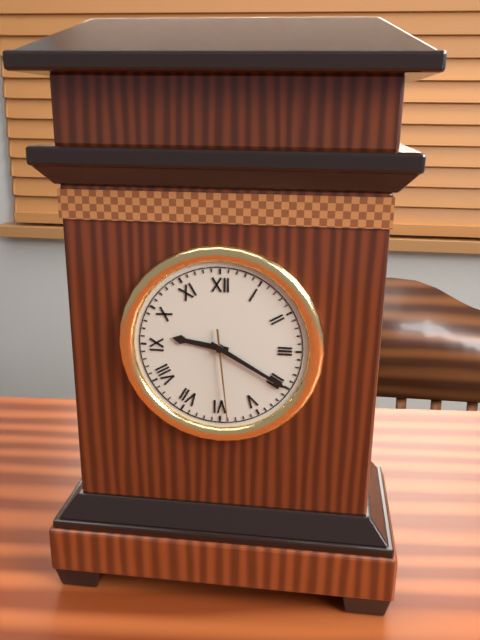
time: 9:20:29
